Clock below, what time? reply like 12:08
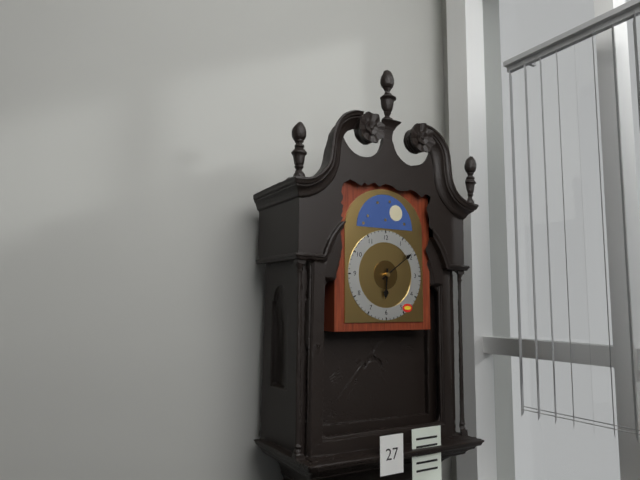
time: 6:09
